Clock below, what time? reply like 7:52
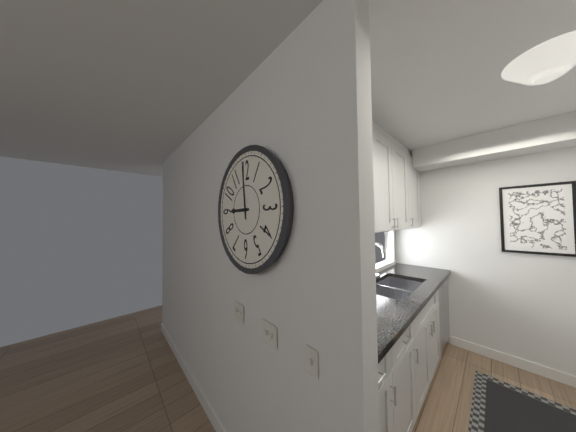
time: 8:59
